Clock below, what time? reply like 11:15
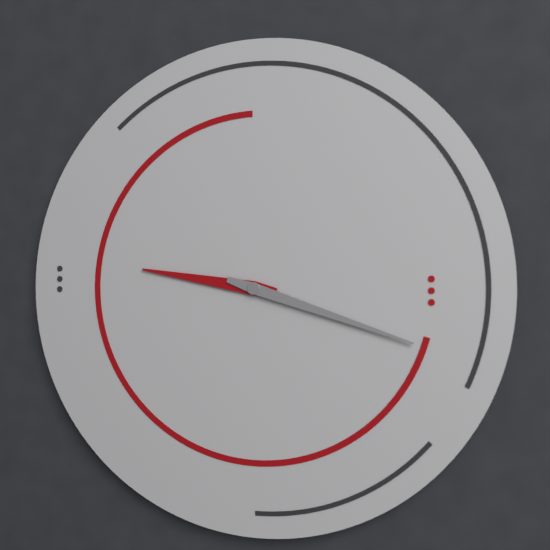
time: 9:18
